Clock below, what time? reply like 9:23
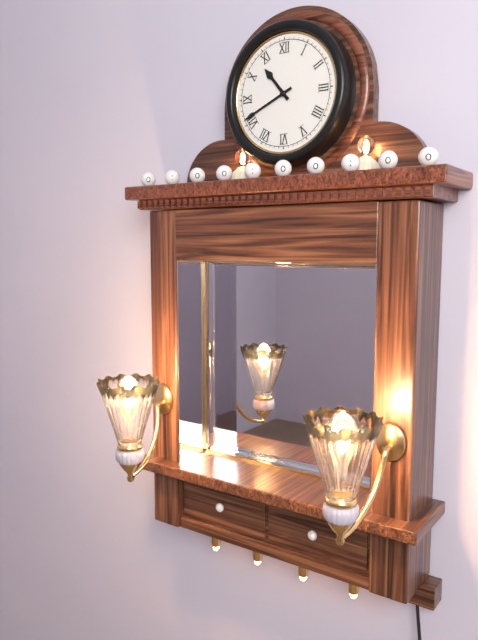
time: 10:41
